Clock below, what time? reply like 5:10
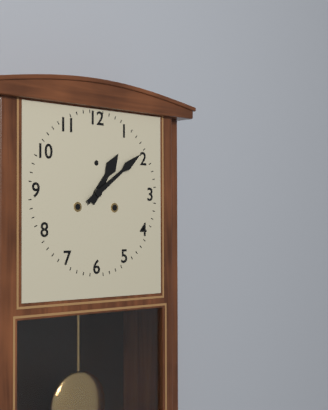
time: 1:09
